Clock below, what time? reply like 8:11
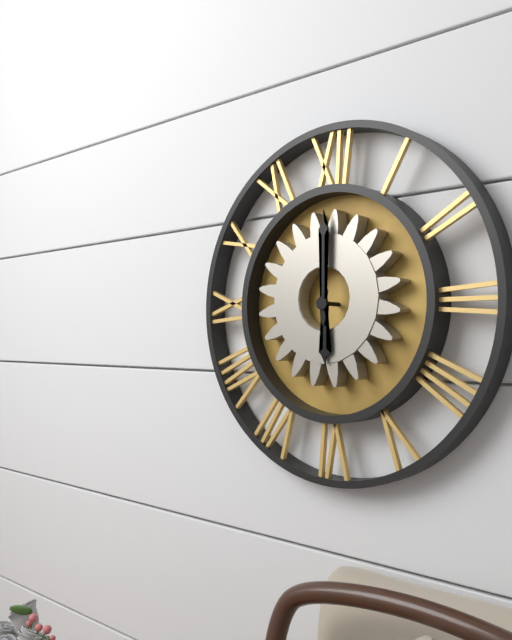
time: 6:00
